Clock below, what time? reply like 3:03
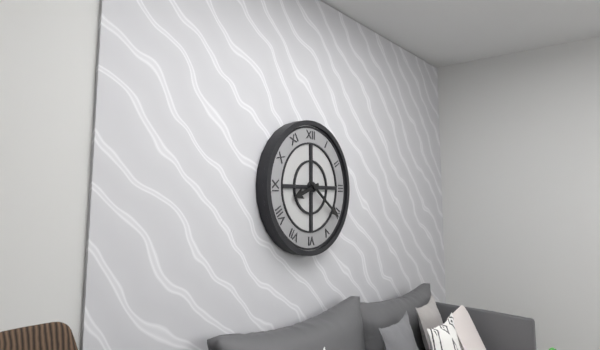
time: 8:21
